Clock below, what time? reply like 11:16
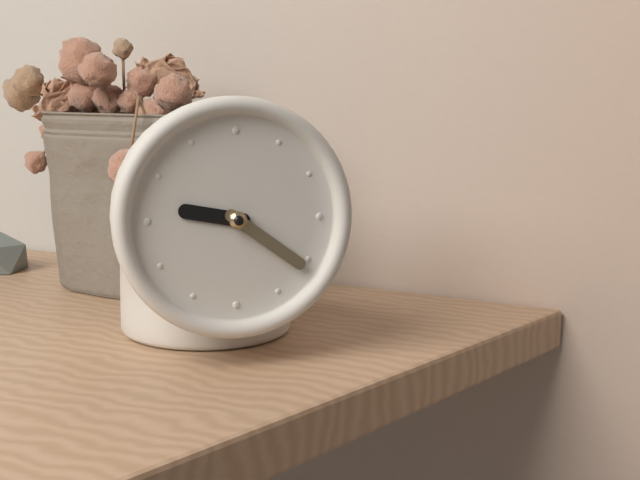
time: 9:21
